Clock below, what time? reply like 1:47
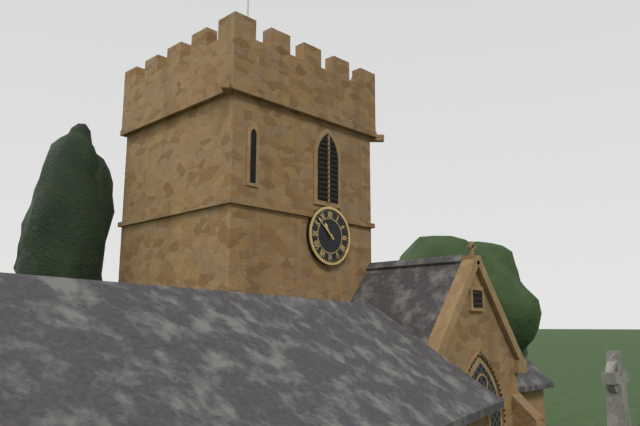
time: 10:52
